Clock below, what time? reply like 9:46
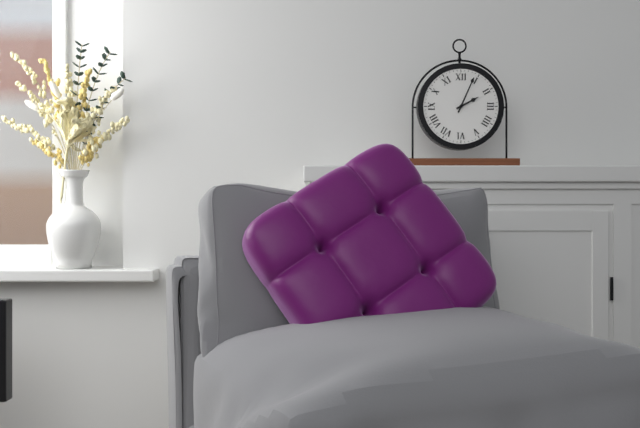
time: 2:04
